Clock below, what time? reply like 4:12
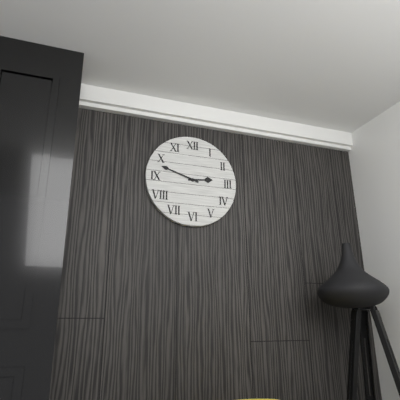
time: 2:48
